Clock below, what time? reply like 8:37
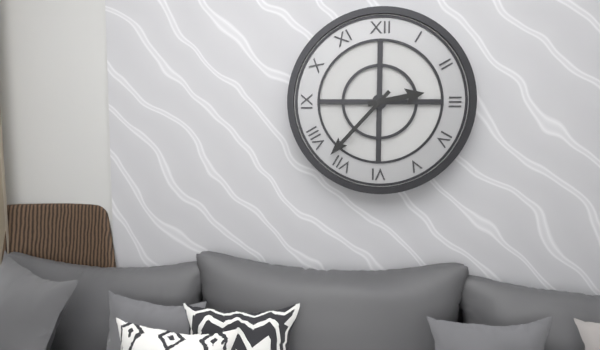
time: 2:37
